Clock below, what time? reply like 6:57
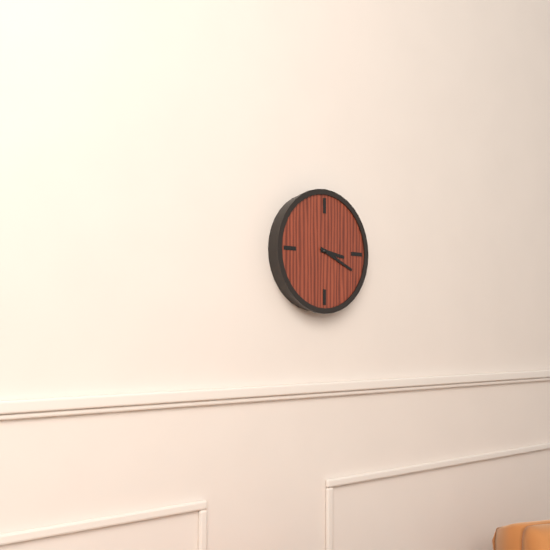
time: 3:19
